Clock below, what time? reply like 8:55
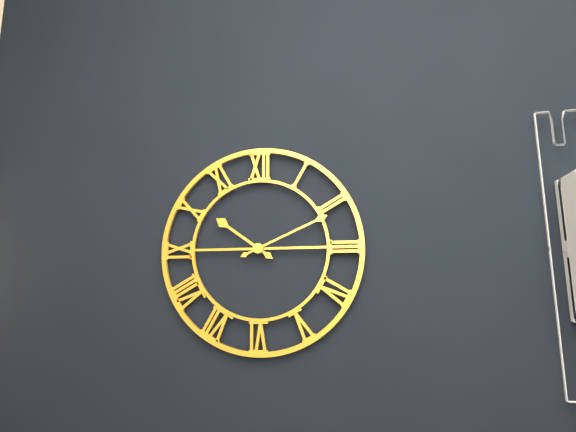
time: 10:11
